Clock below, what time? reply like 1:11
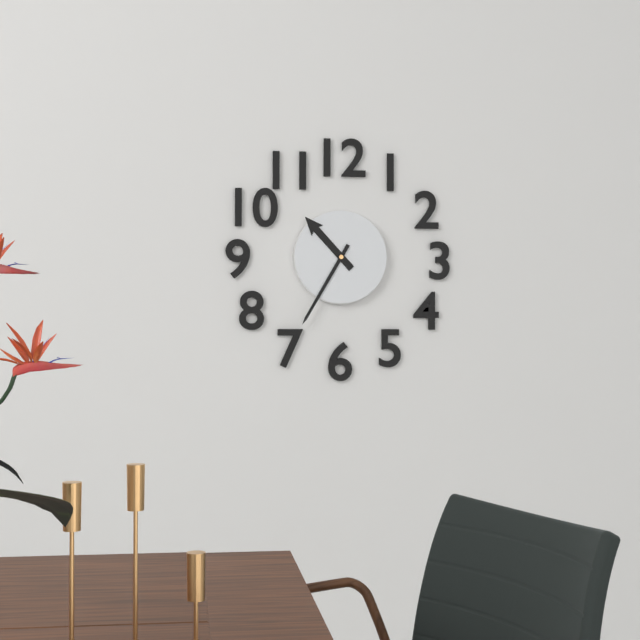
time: 10:35
